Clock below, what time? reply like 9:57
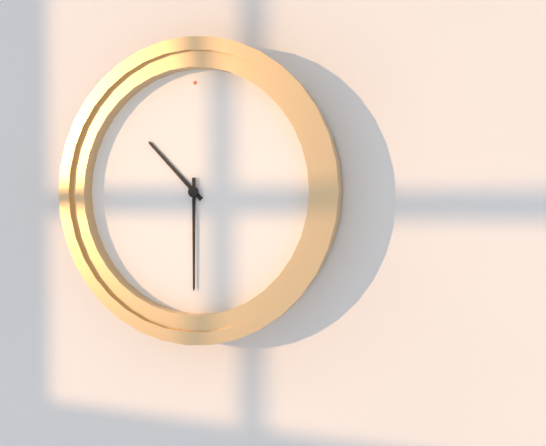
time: 10:30
